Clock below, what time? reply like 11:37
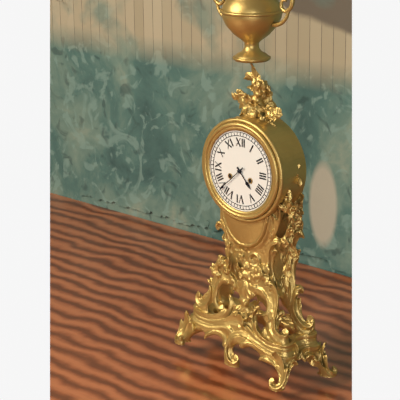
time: 4:38
